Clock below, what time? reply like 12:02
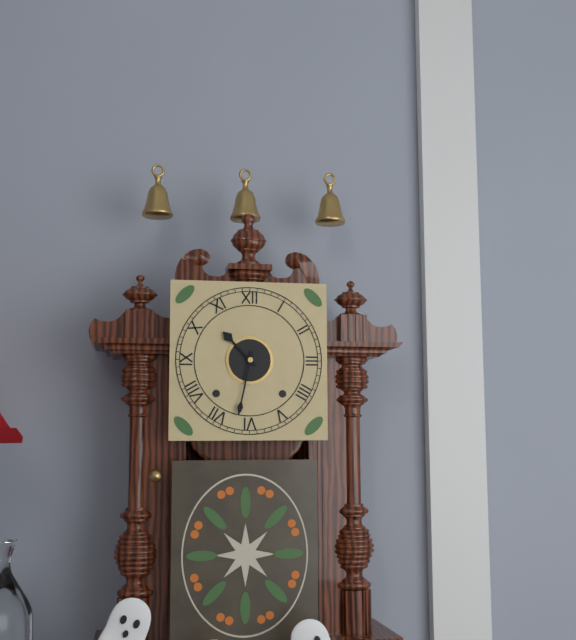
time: 10:32
